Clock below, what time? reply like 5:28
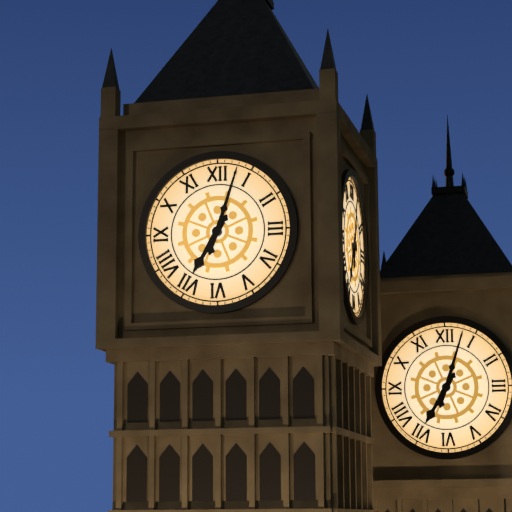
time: 7:03
